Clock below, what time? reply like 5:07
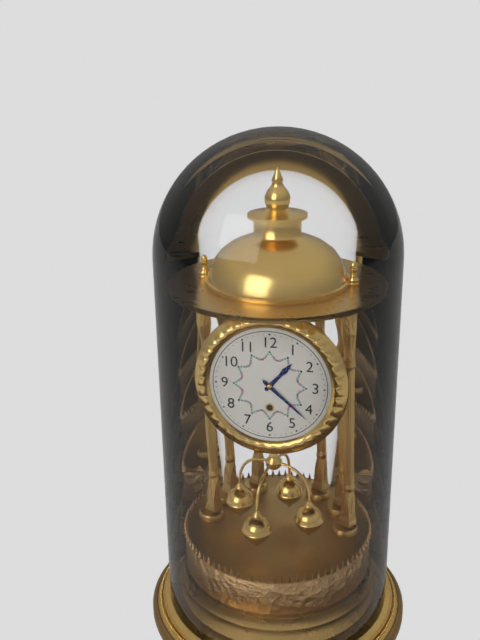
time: 1:22
